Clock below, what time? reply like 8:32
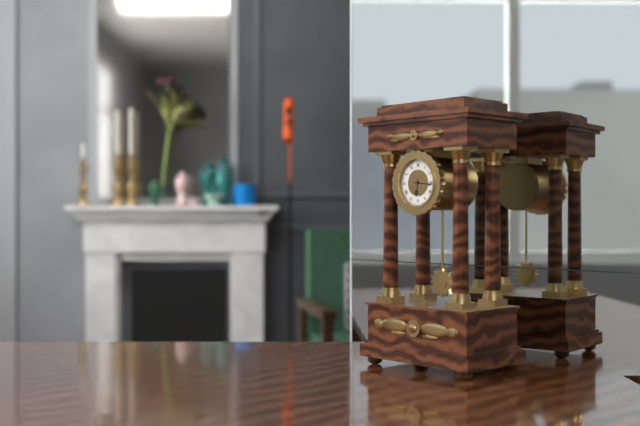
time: 6:16
